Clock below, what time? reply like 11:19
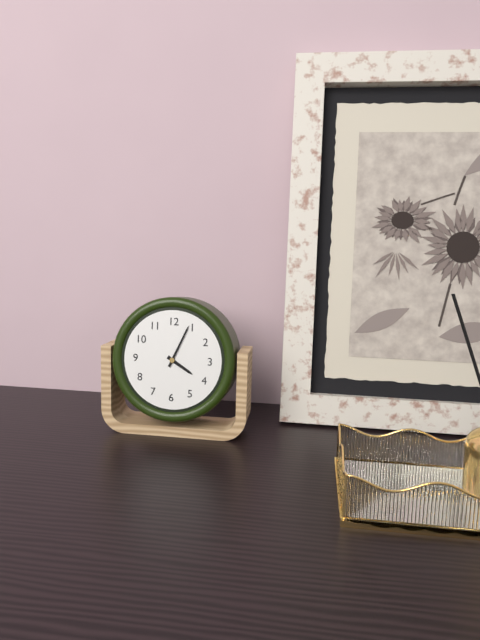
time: 4:04
